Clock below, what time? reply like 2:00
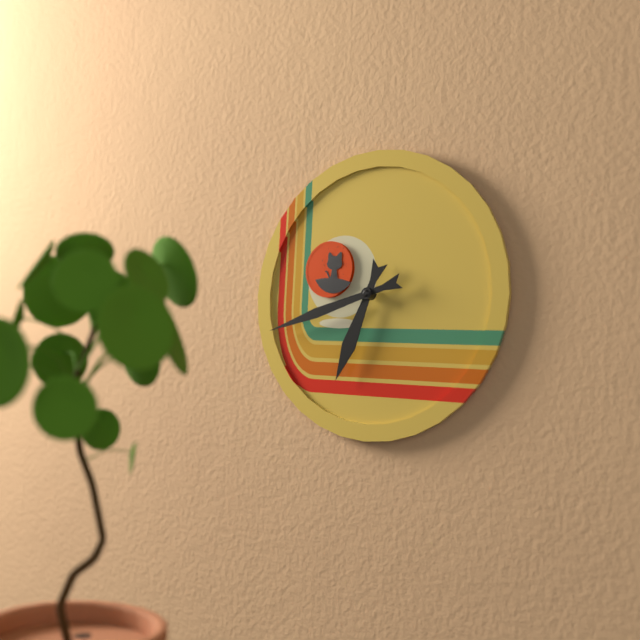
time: 6:42
